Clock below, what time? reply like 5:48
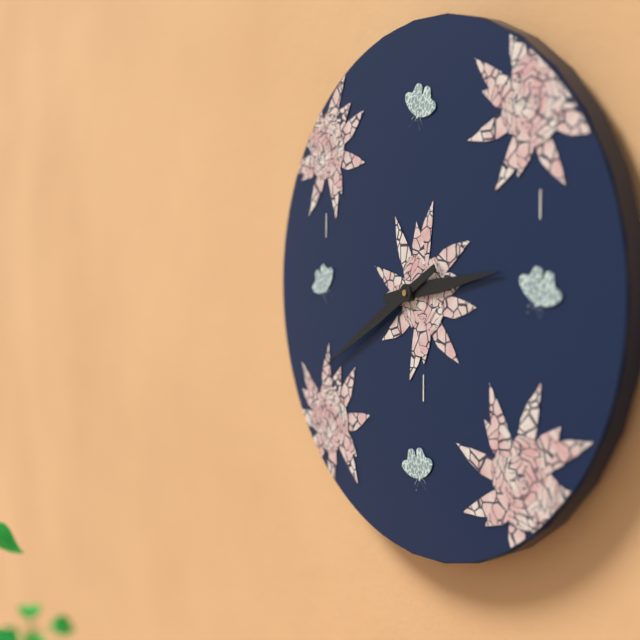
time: 2:40
